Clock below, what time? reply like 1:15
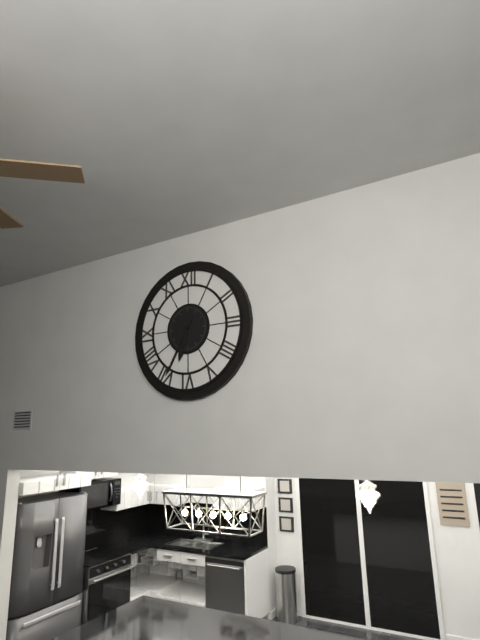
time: 6:35
